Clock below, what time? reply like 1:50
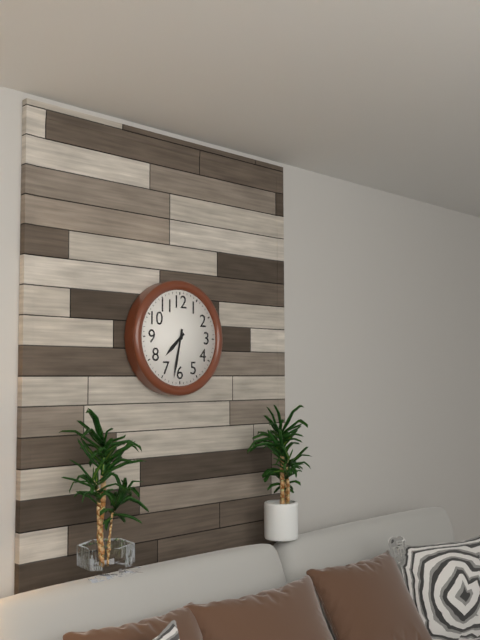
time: 7:32
